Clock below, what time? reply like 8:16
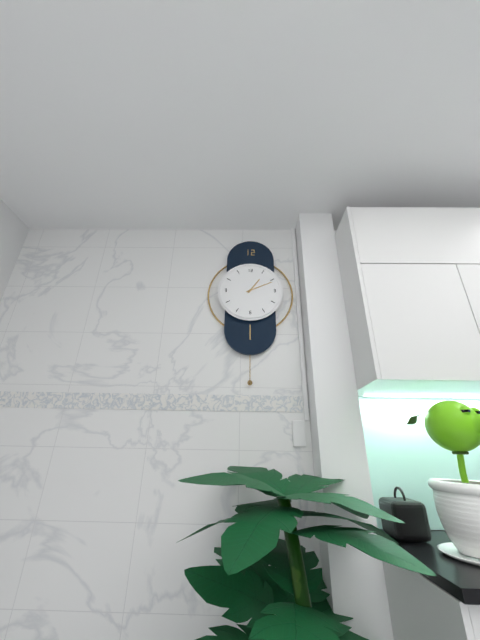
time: 1:11
